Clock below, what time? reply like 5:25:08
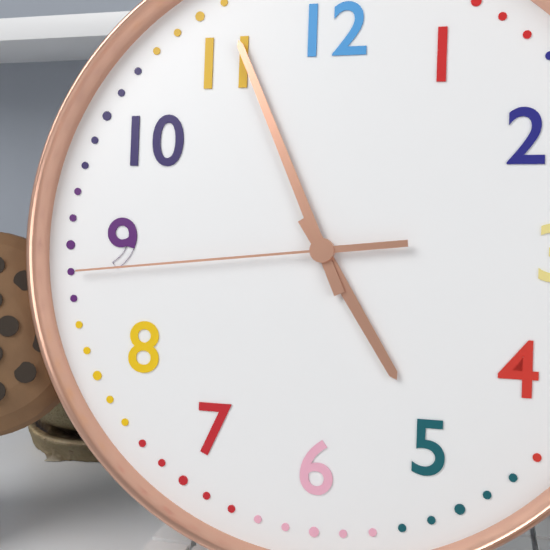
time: 4:56:44
